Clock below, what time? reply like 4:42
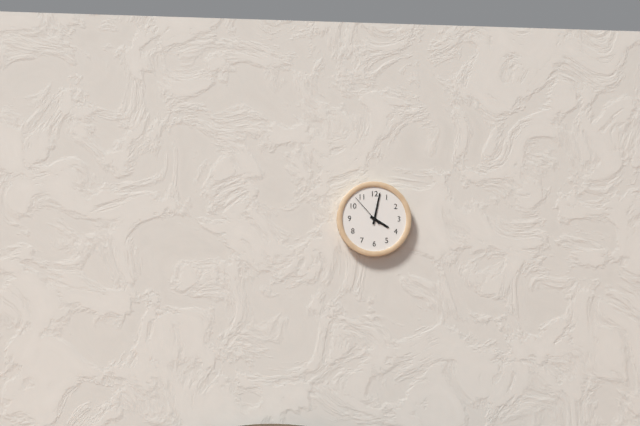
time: 4:02
